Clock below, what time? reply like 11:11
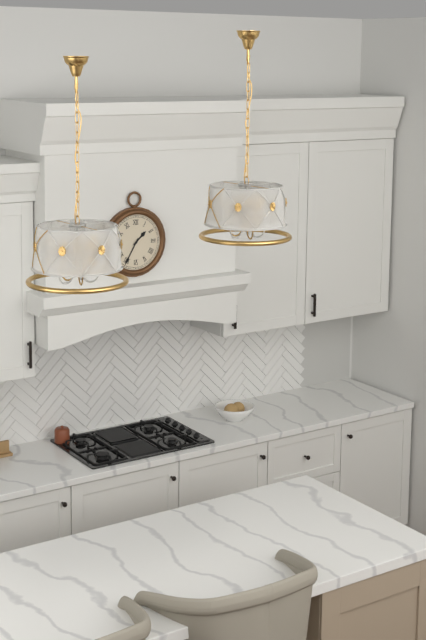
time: 1:35
